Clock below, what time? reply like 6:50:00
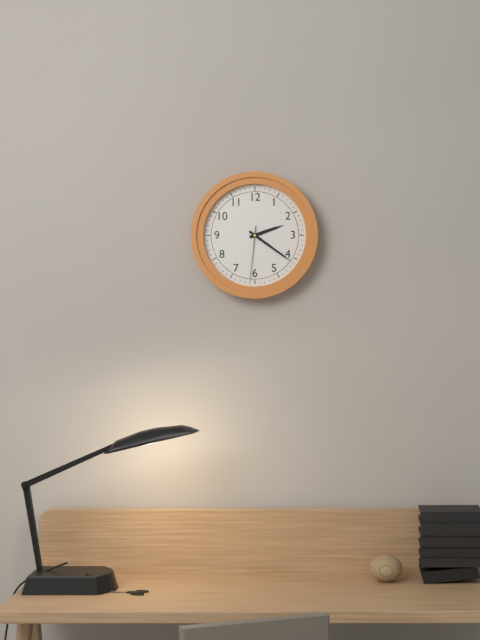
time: 2:21:31
